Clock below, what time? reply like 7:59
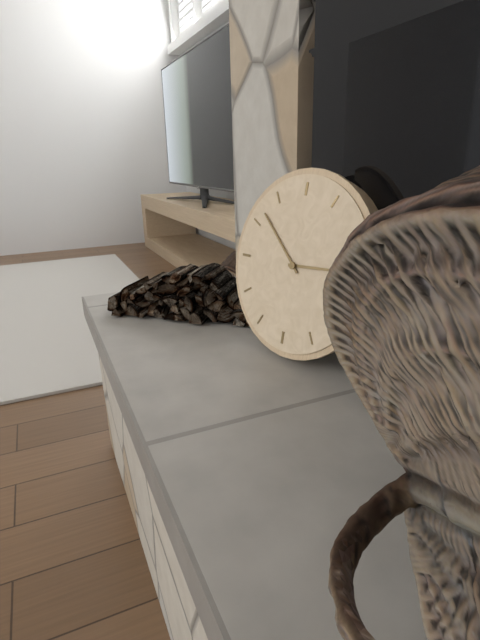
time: 2:52
